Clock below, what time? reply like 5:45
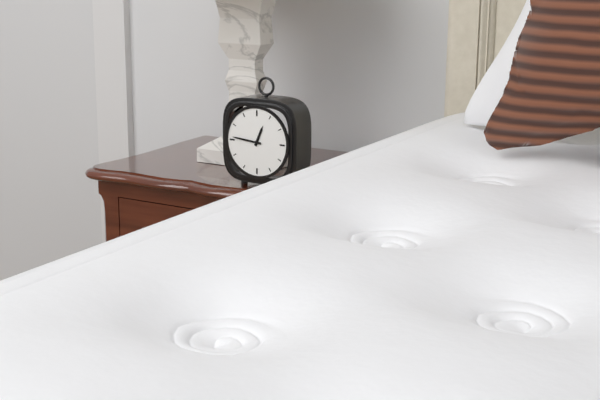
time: 12:46
